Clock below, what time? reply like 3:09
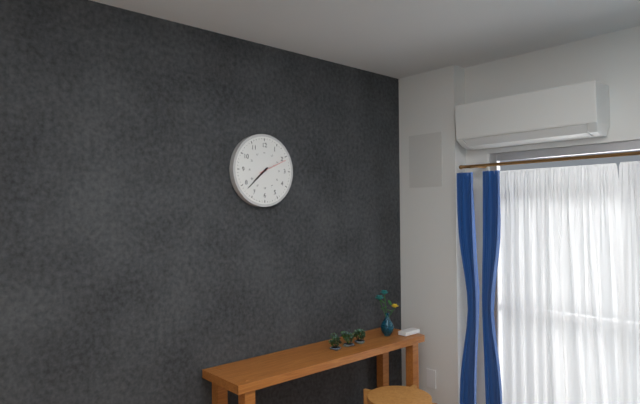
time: 7:38
